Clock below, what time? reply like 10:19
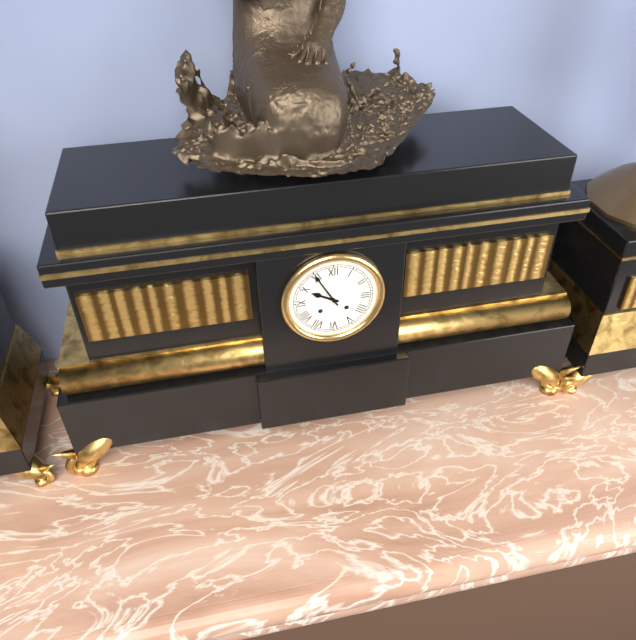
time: 9:55
